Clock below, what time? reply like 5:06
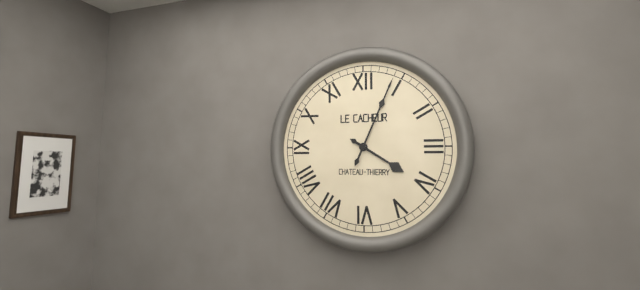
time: 4:04
